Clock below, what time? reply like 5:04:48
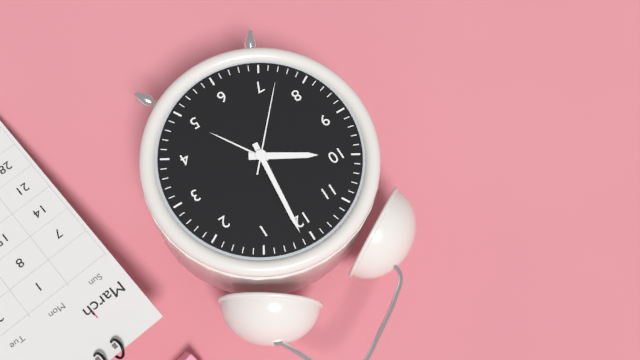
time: 10:01:37
